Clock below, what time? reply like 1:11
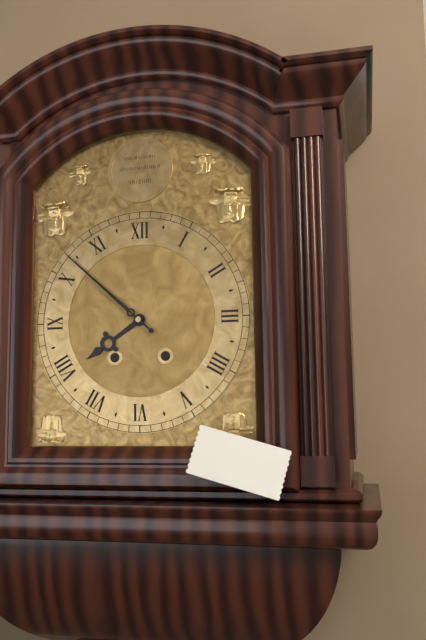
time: 7:52
